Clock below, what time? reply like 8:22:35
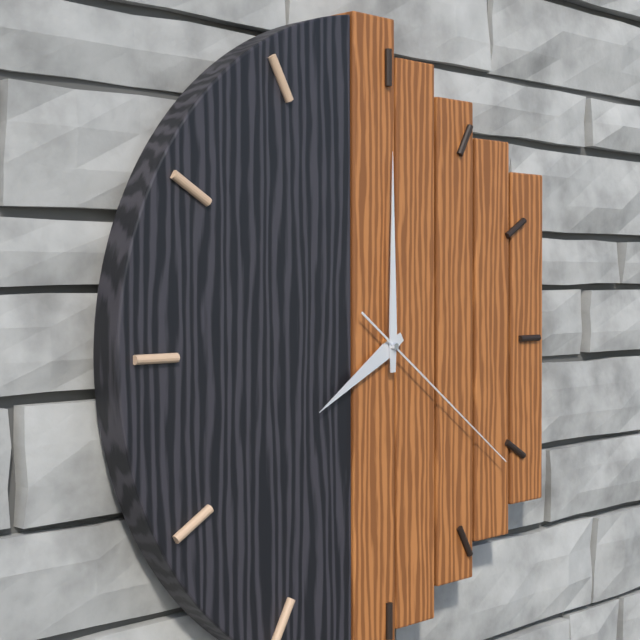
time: 8:00:21
